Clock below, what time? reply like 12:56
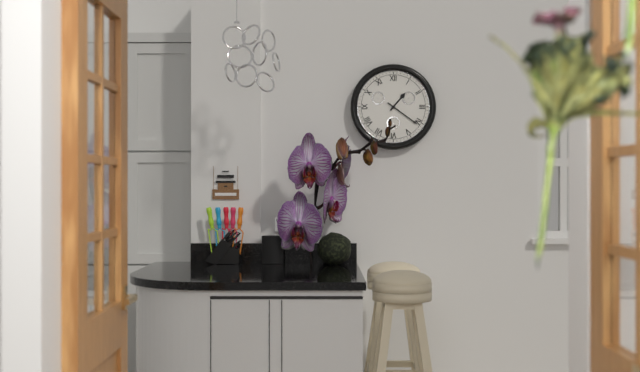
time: 1:21
